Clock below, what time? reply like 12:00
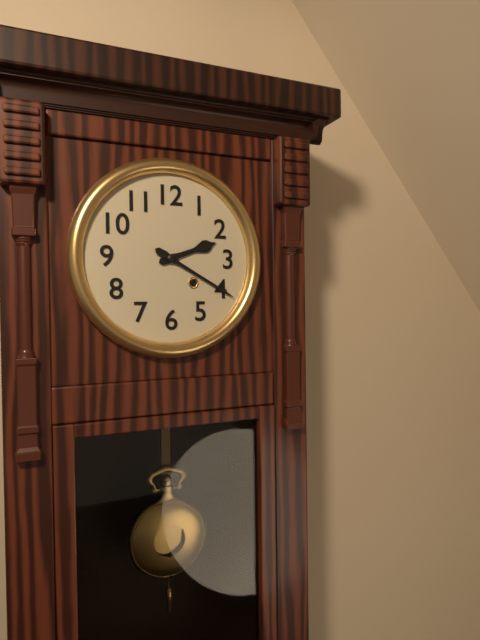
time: 2:20
